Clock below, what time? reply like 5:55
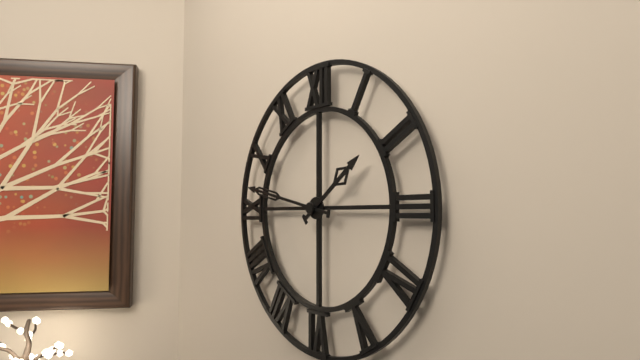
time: 1:47
